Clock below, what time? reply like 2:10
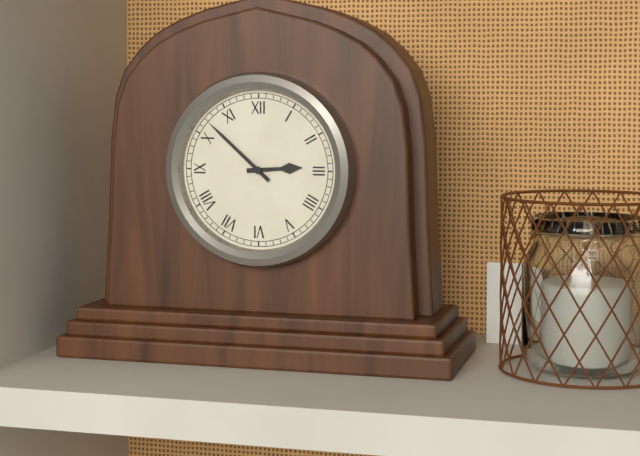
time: 2:52
